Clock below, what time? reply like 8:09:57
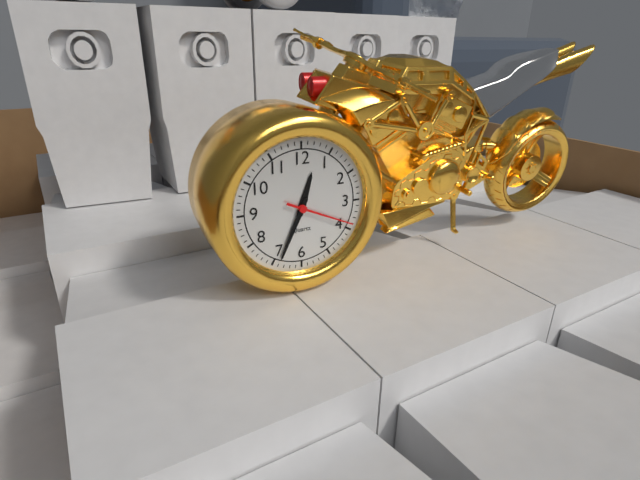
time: 12:34:19
